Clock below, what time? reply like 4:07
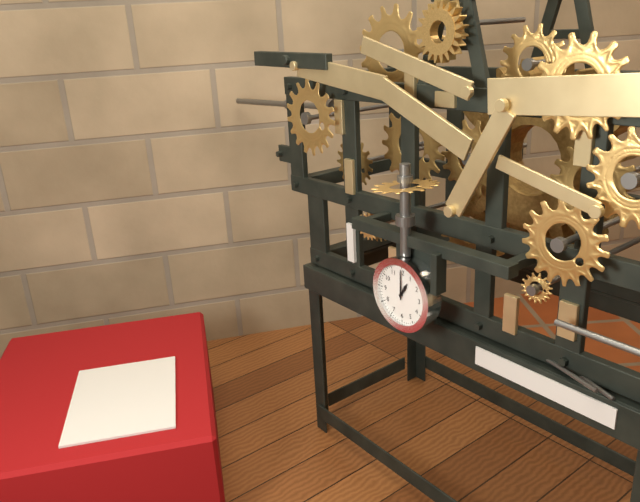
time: 1:00
